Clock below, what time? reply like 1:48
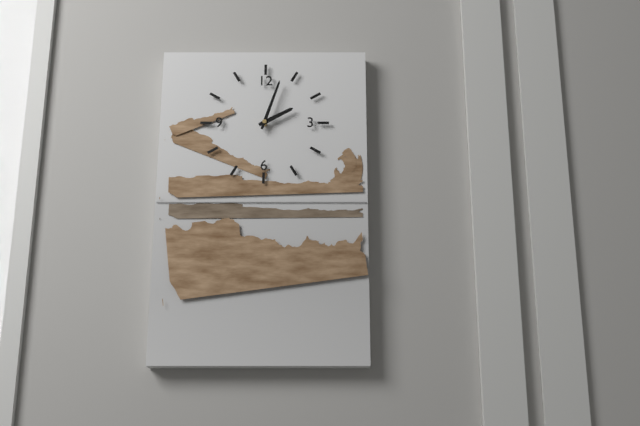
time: 2:03
